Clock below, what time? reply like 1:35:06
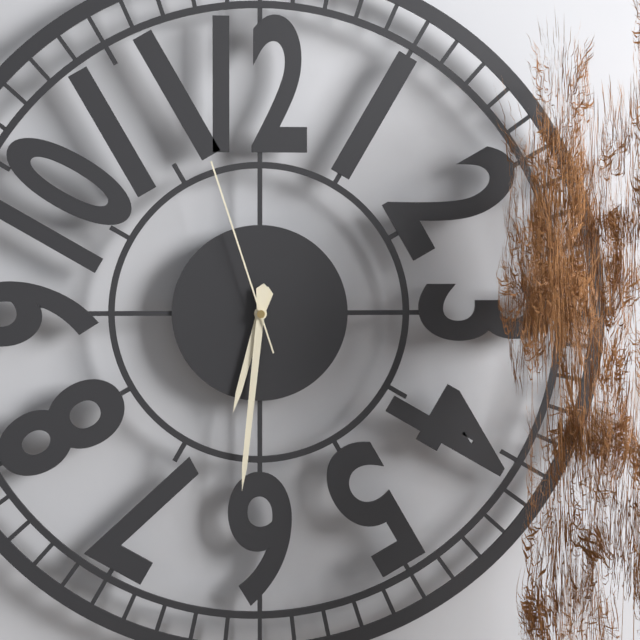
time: 6:31:57
